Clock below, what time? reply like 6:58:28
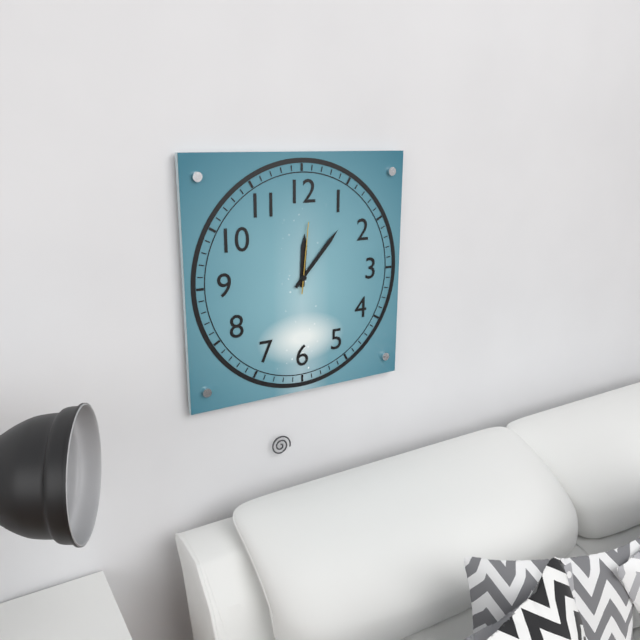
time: 12:07:01
